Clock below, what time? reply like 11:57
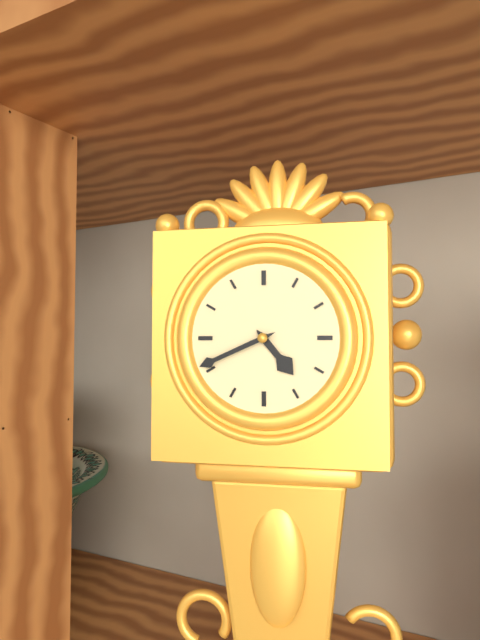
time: 4:41
